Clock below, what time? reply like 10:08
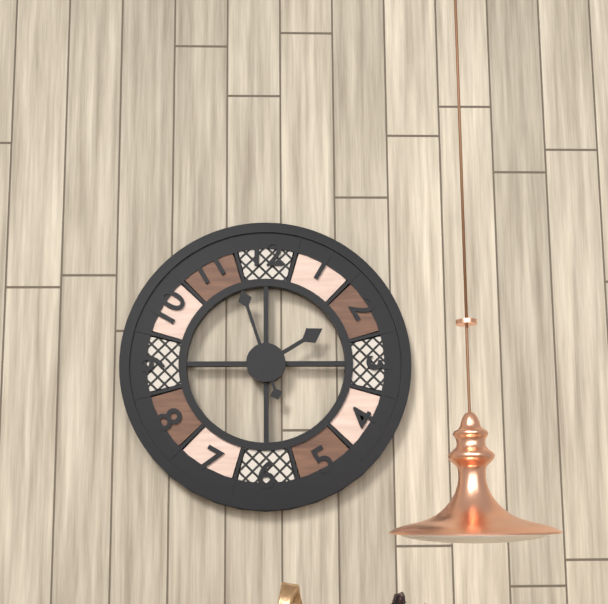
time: 1:57
